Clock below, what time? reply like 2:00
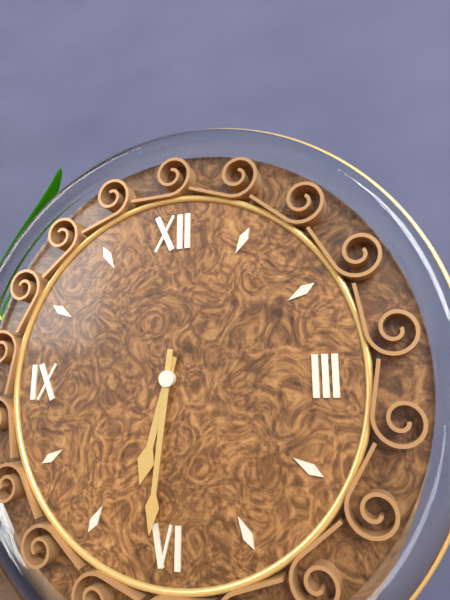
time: 6:31
